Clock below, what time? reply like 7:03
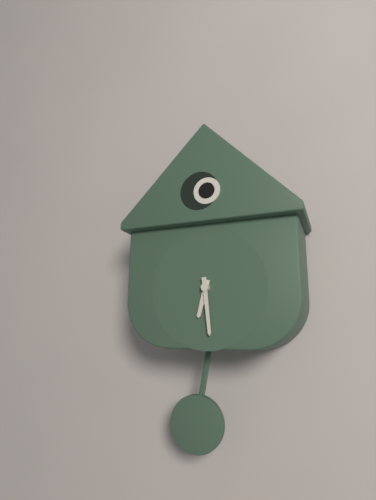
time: 6:29
